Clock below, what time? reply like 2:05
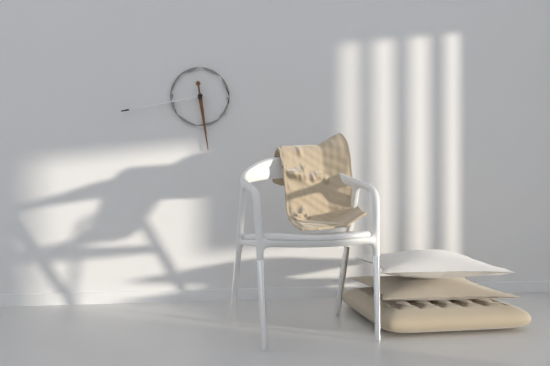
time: 5:43
